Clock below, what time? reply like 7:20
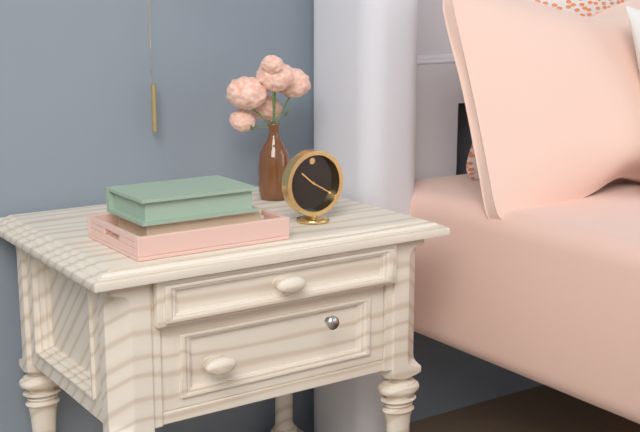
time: 10:20
